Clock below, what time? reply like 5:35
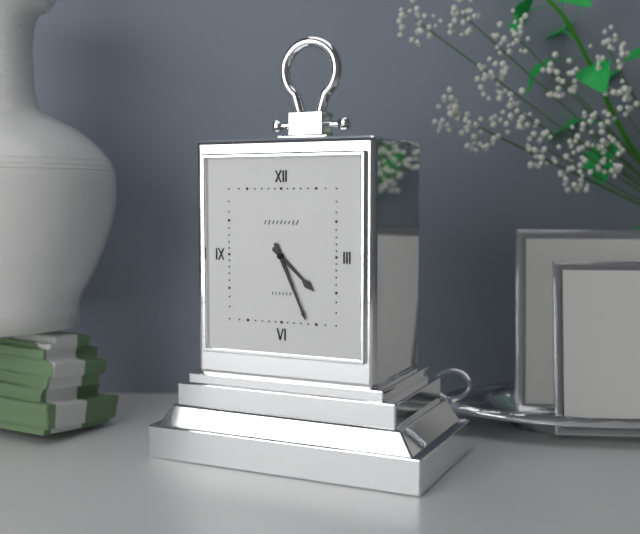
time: 4:26
